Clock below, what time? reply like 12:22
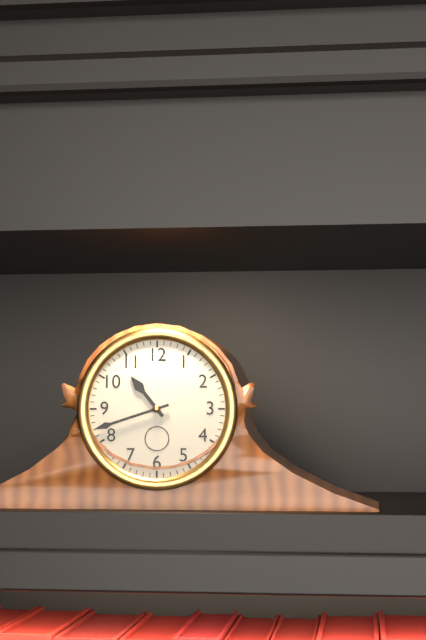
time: 10:42
